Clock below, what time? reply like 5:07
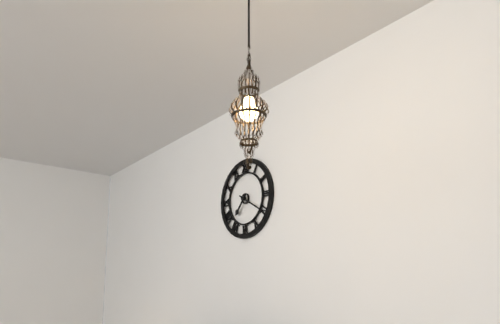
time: 7:20
